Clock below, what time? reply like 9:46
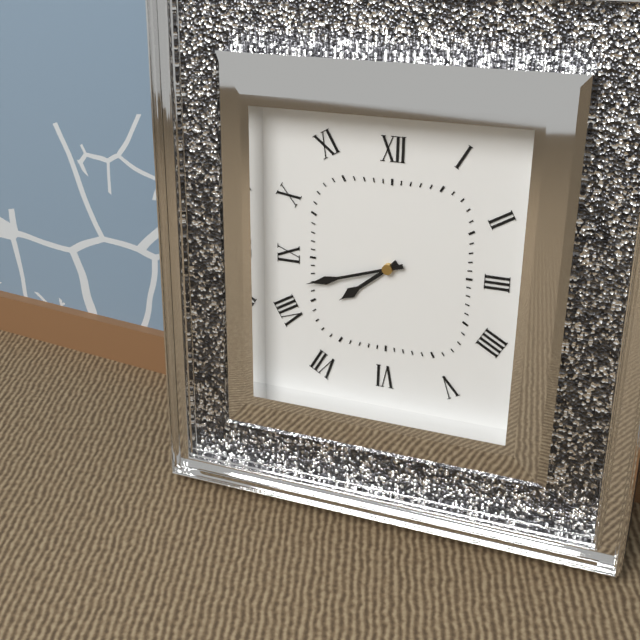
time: 7:42
